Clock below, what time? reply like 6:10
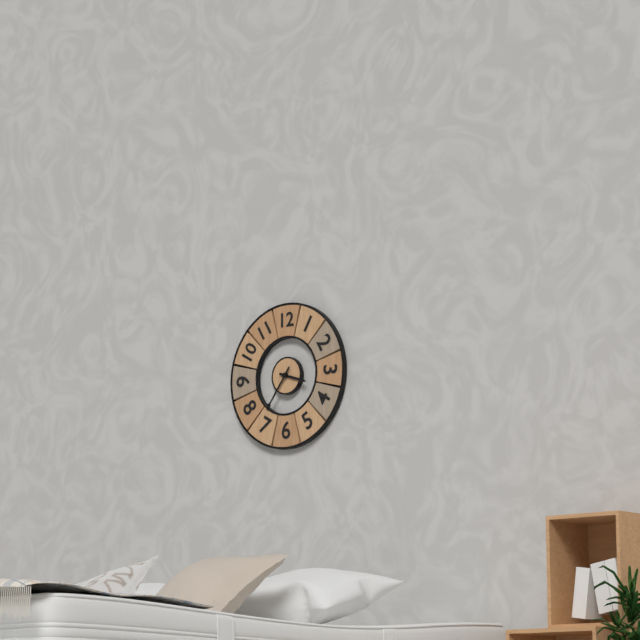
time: 3:36
